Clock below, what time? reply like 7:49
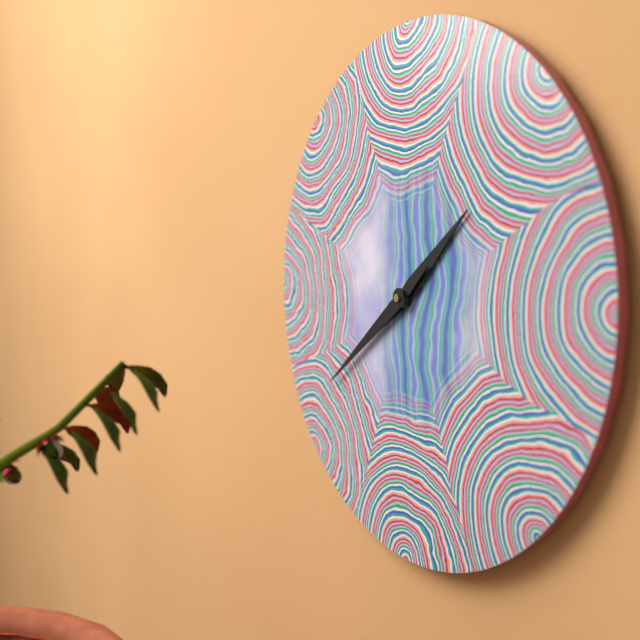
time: 1:39
